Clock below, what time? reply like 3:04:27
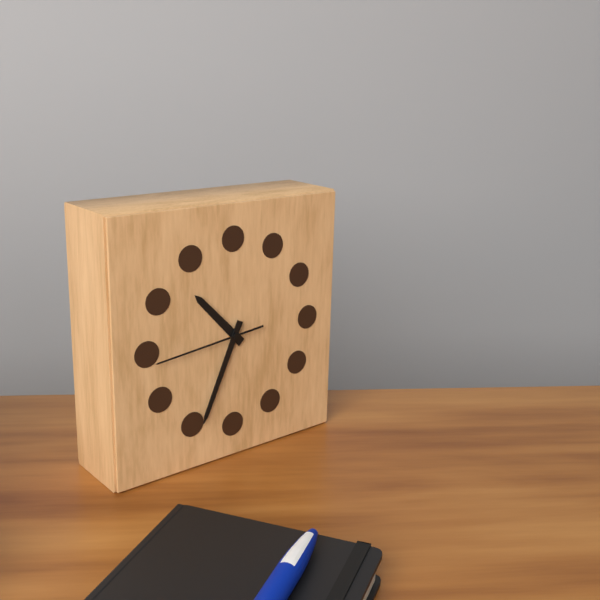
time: 10:34:44
